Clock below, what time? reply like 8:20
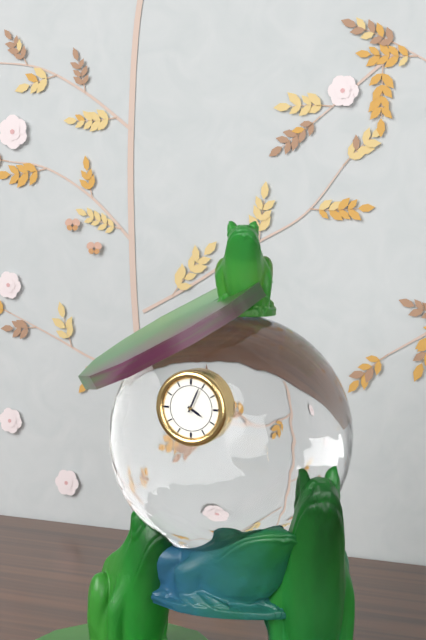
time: 4:04
